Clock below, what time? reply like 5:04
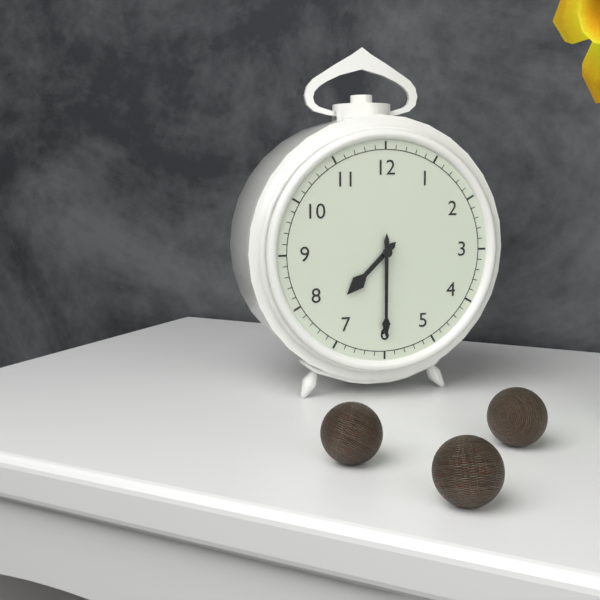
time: 7:30
